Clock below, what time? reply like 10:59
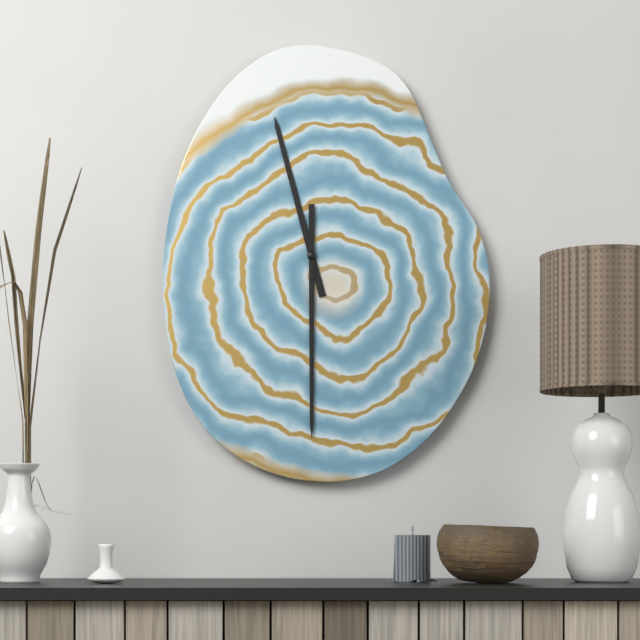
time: 11:30
